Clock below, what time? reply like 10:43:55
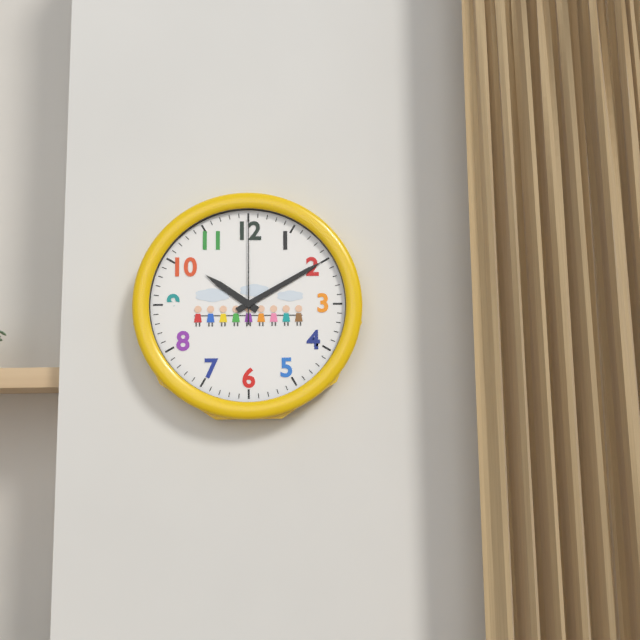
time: 10:10:00
